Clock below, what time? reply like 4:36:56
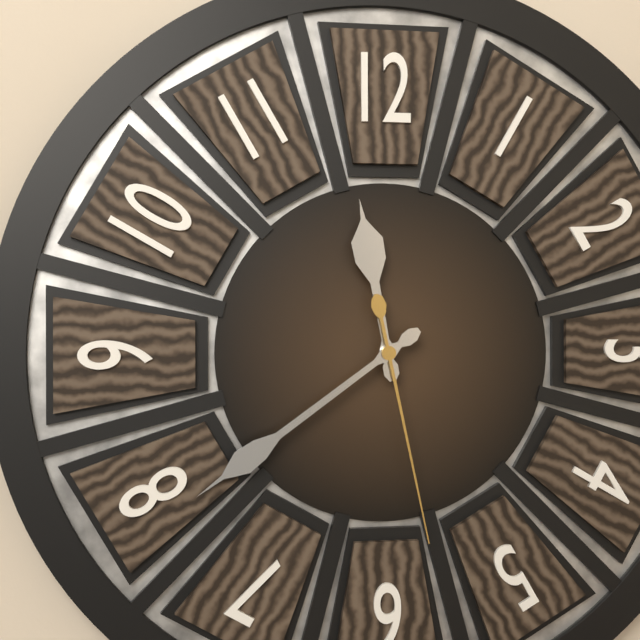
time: 11:39:28
